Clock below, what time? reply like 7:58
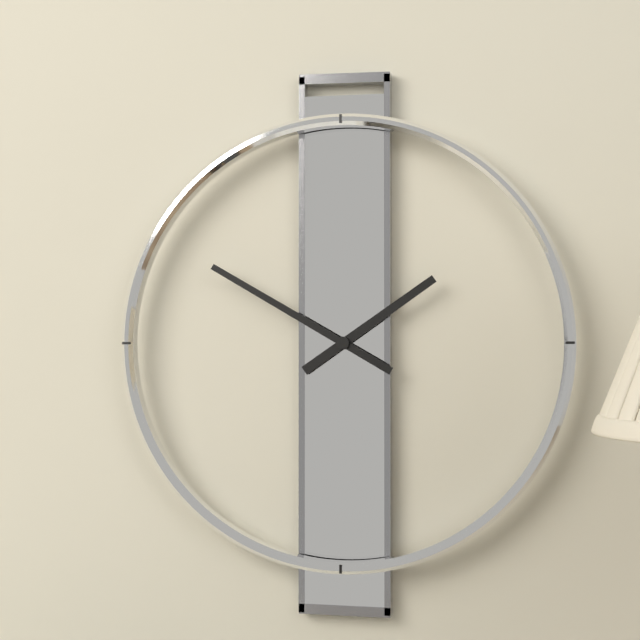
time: 1:50
